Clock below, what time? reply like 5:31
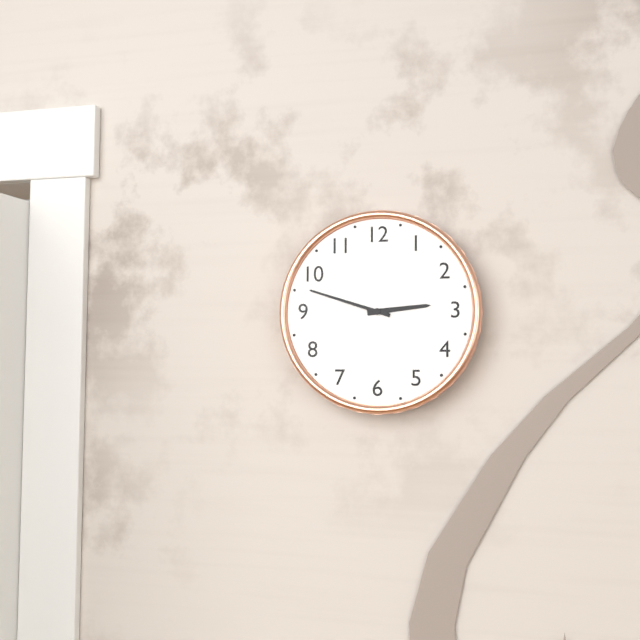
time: 2:48
